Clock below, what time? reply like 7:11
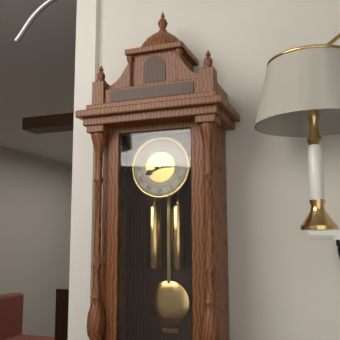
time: 8:15
